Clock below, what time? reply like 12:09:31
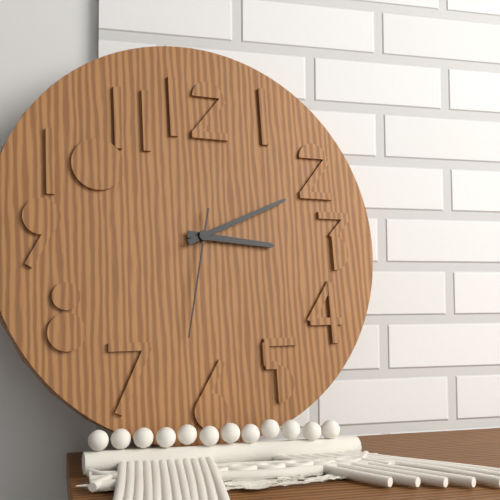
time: 3:11:32
